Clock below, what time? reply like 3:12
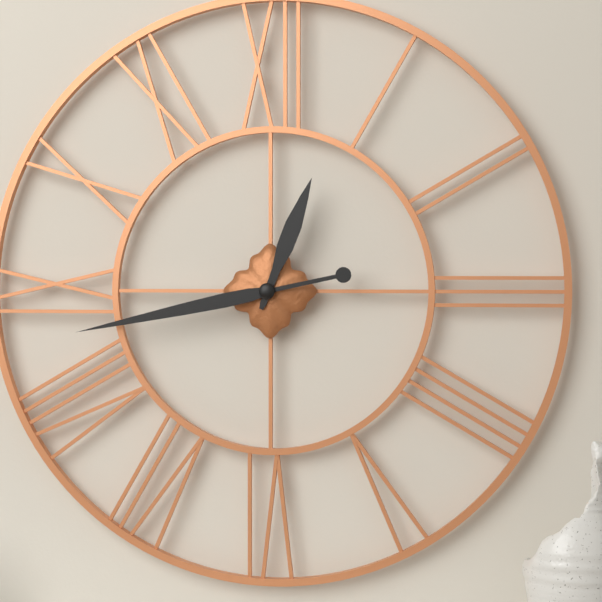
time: 12:43
